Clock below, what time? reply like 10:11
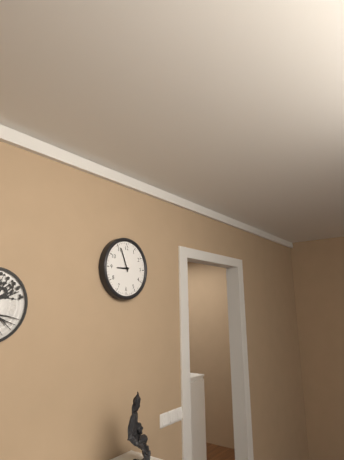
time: 8:56
